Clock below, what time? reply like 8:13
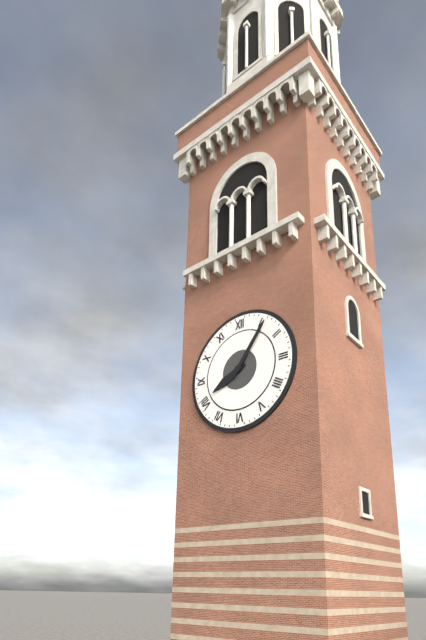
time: 8:06
